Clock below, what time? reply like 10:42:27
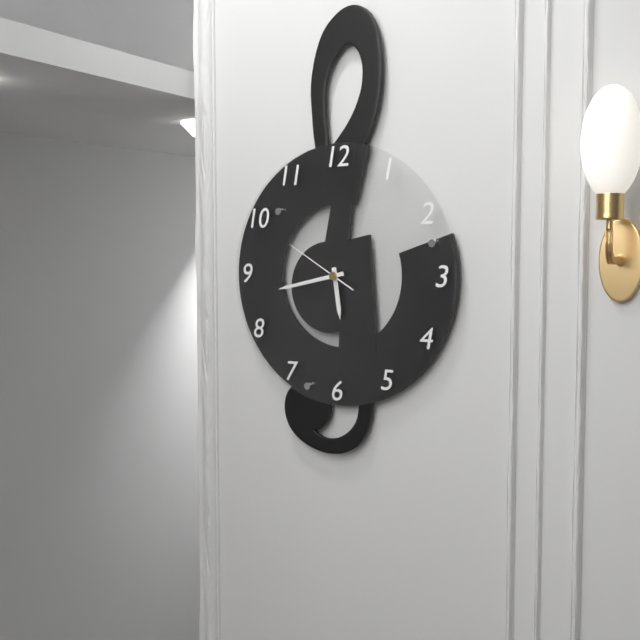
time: 5:43:50
